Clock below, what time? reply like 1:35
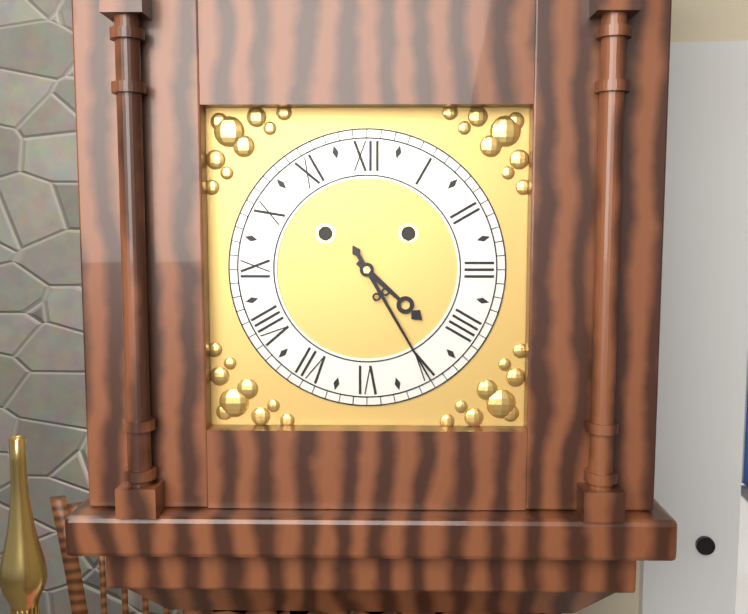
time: 4:25
